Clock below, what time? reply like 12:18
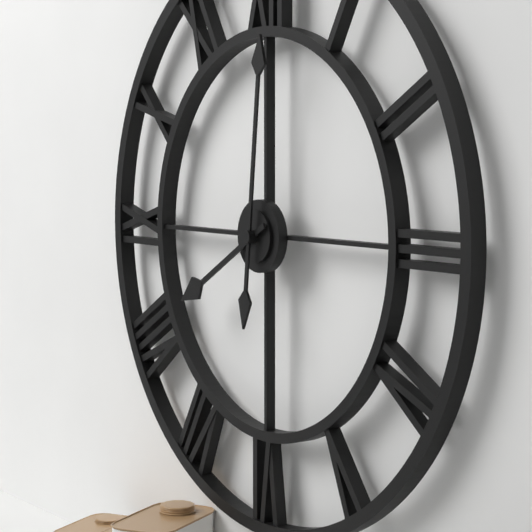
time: 8:01
